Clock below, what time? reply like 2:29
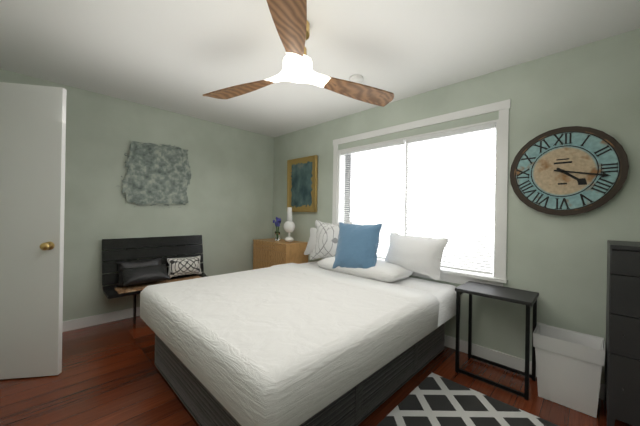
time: 4:17
